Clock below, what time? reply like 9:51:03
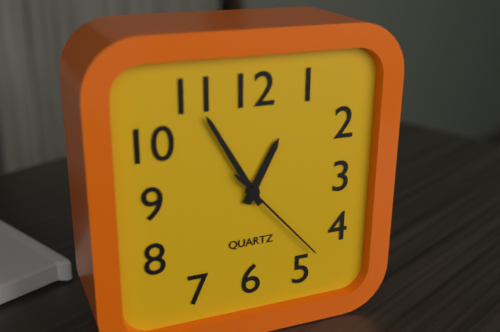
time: 12:55:23
